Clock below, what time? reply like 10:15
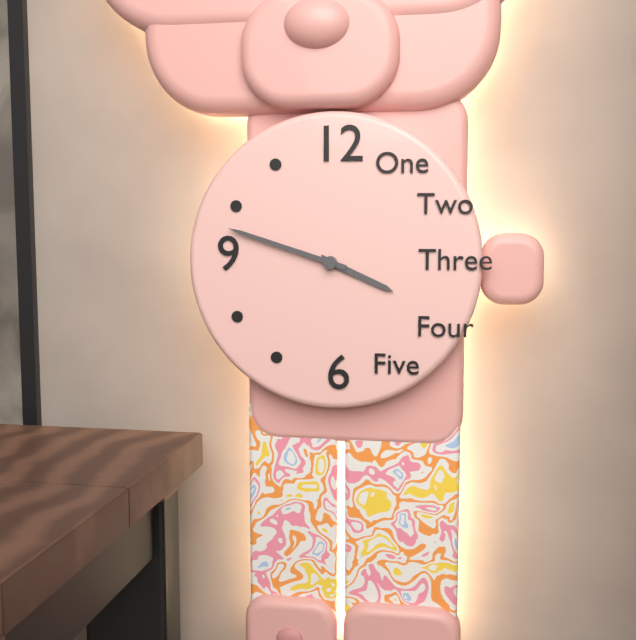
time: 3:48
